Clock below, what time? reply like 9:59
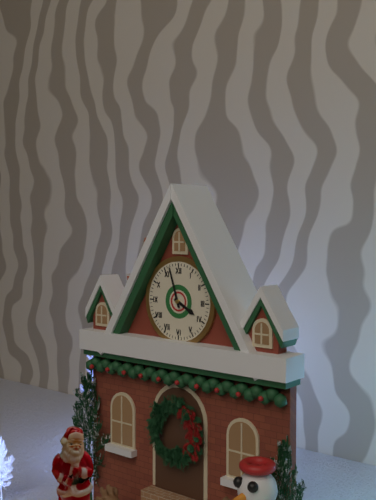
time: 3:57
